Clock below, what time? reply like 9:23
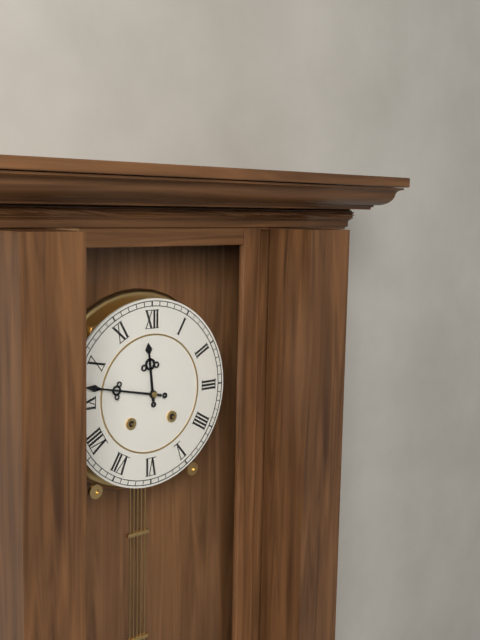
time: 11:47
